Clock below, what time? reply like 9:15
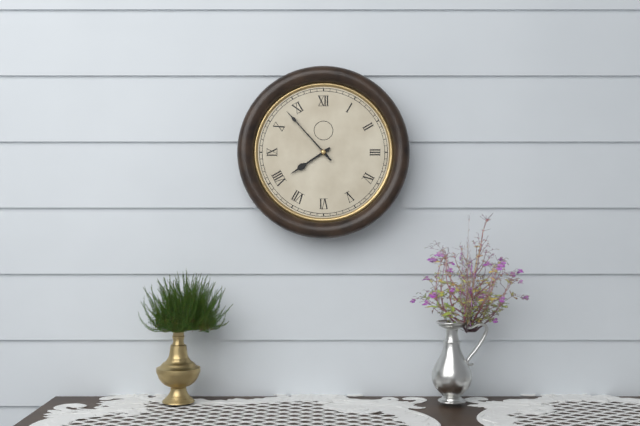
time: 7:53
